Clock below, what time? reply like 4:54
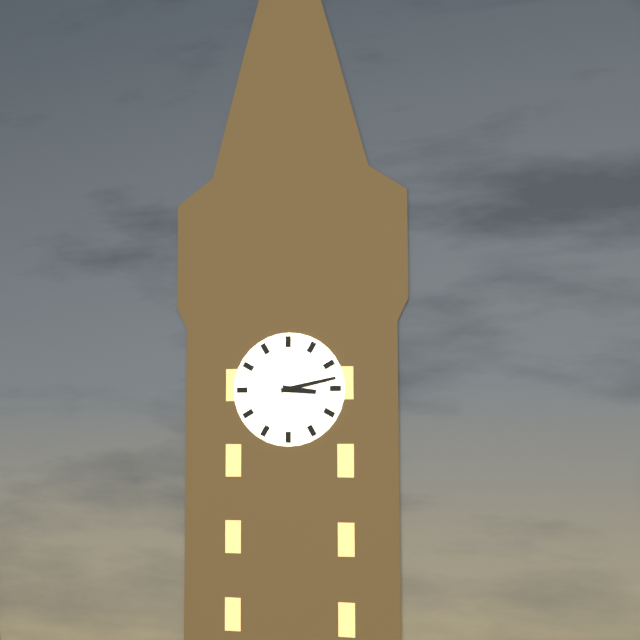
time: 3:13
